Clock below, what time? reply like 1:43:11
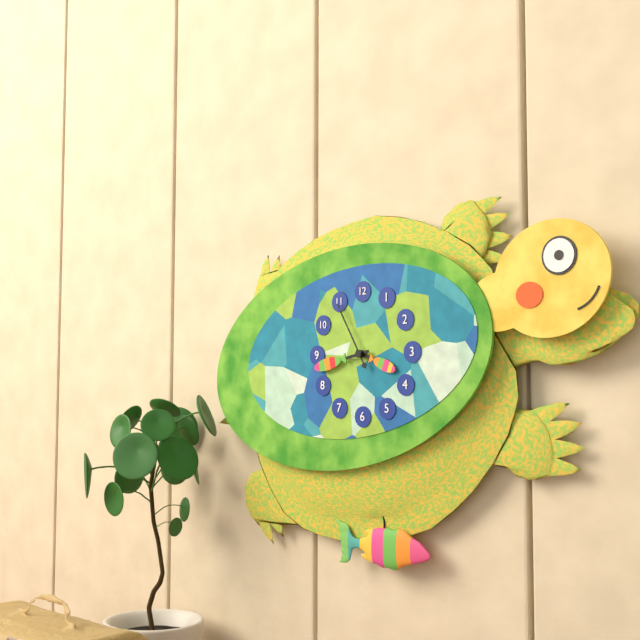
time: 3:43:55
